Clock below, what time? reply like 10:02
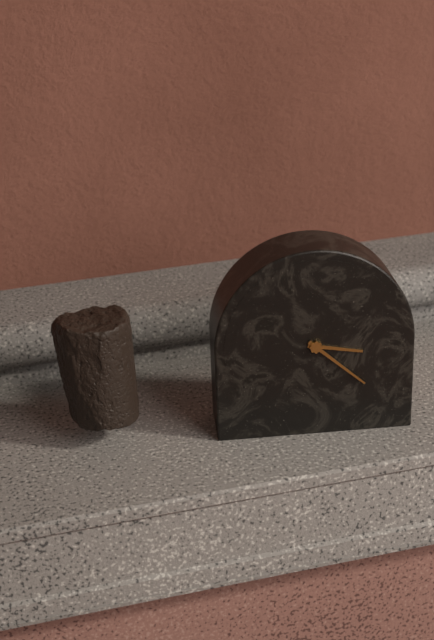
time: 3:22
